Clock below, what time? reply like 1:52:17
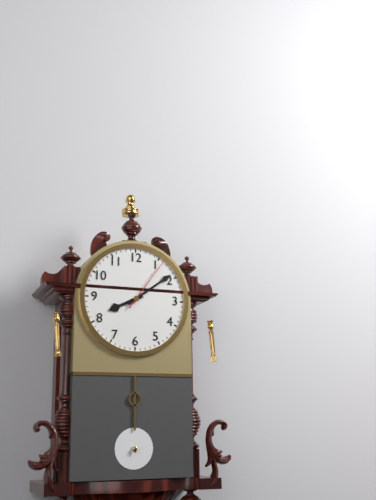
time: 8:09:06
